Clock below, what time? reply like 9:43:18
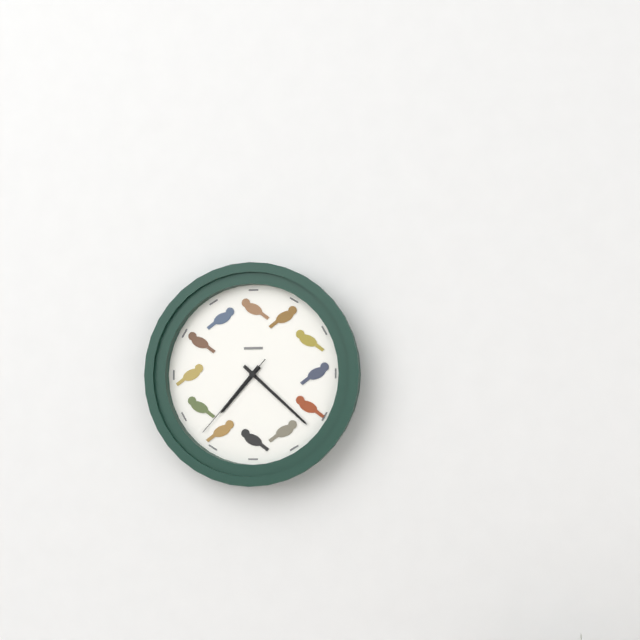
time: 7:22:37
